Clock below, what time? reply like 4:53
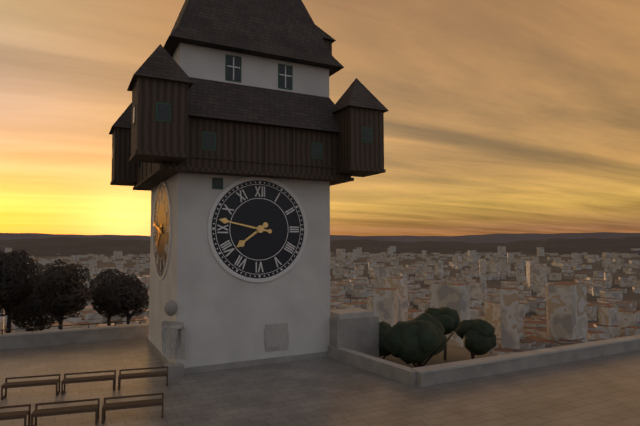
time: 7:47
